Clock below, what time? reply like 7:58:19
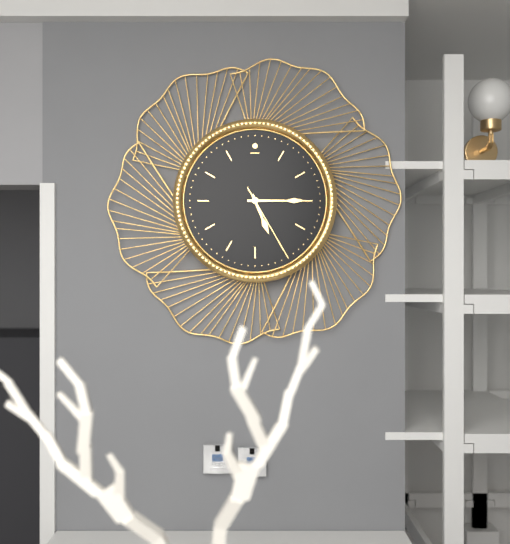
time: 5:15:25
